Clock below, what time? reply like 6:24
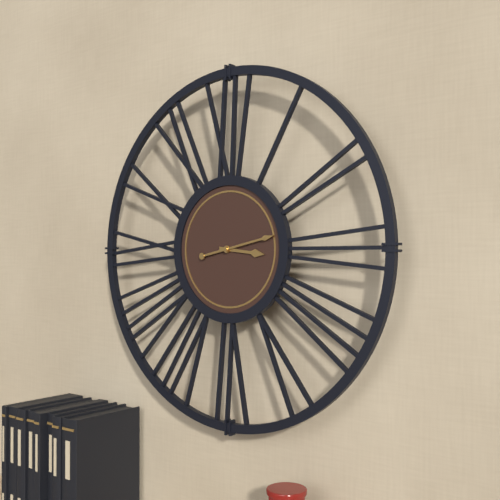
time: 3:13
